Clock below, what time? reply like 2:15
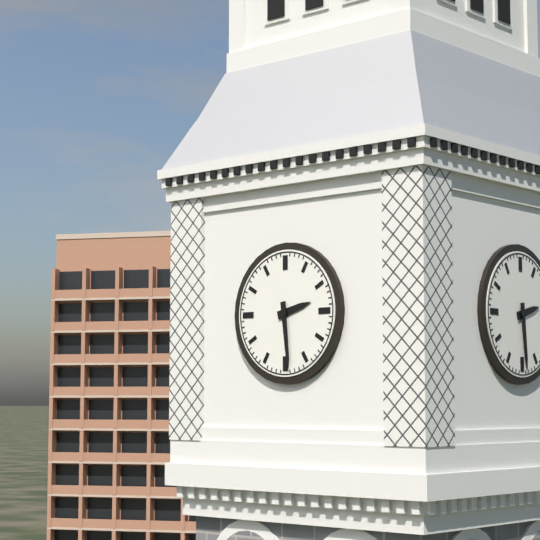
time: 2:29
